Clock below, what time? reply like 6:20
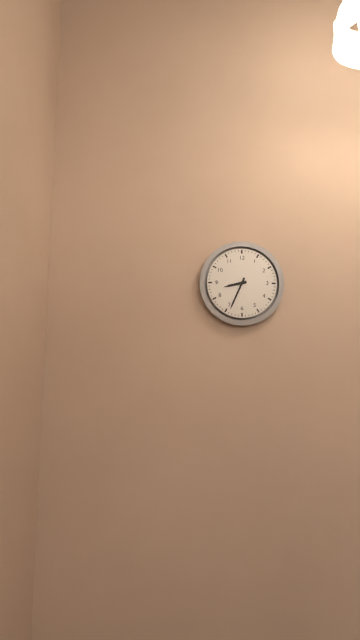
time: 8:34
